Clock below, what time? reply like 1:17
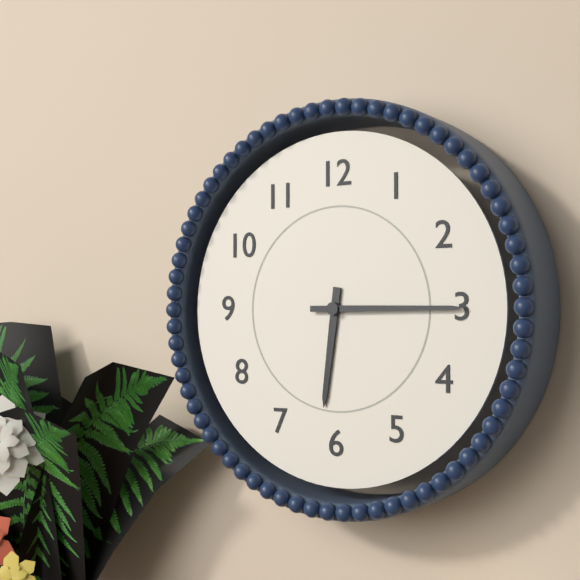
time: 6:15
